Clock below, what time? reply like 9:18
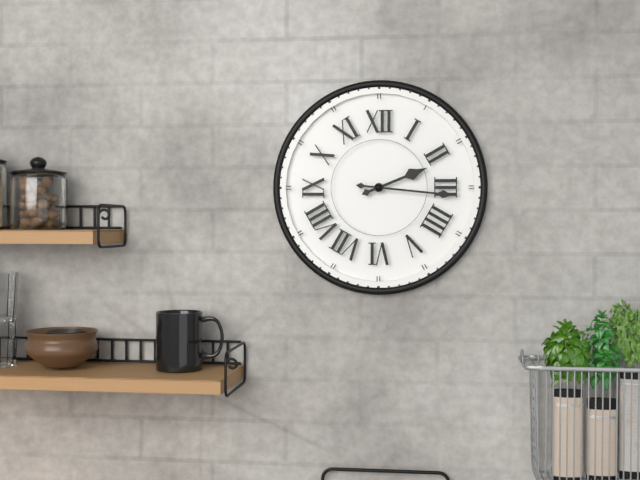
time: 2:16
